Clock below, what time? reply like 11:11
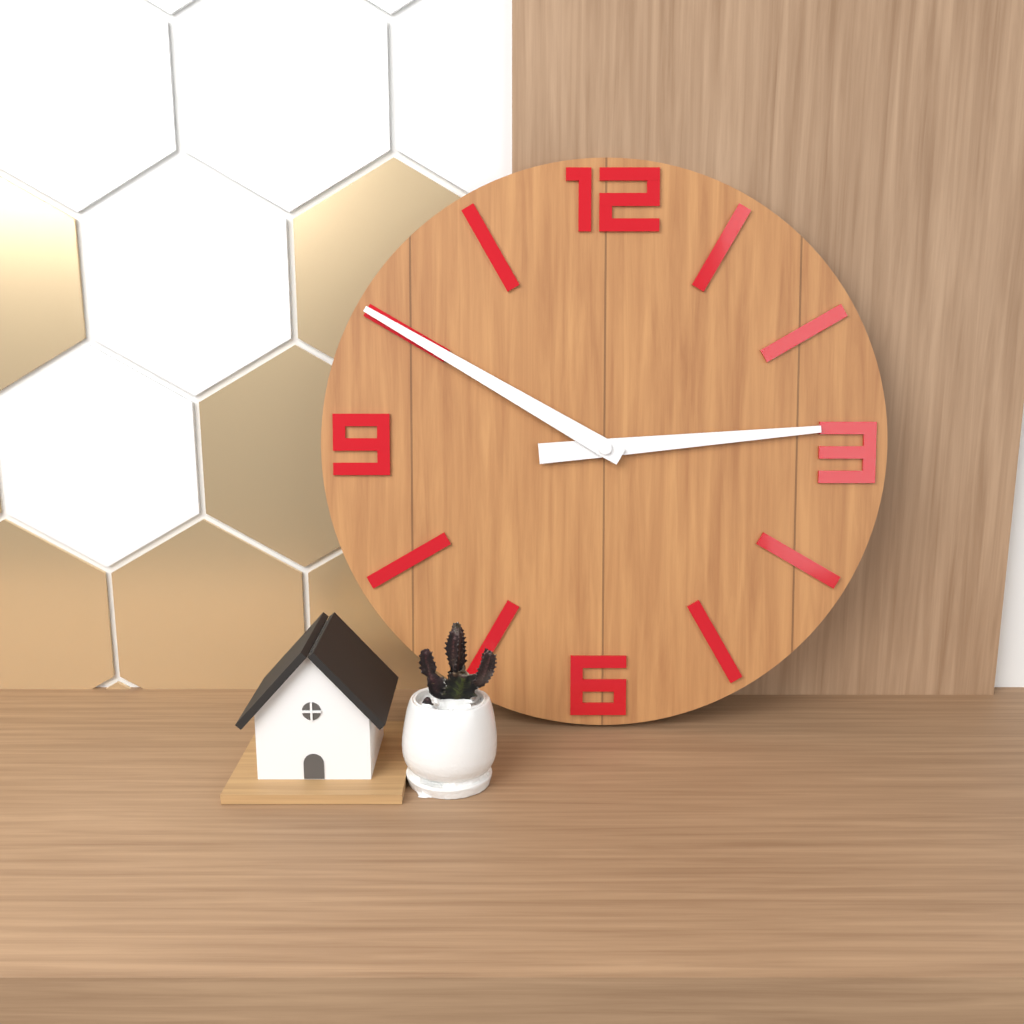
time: 2:50
